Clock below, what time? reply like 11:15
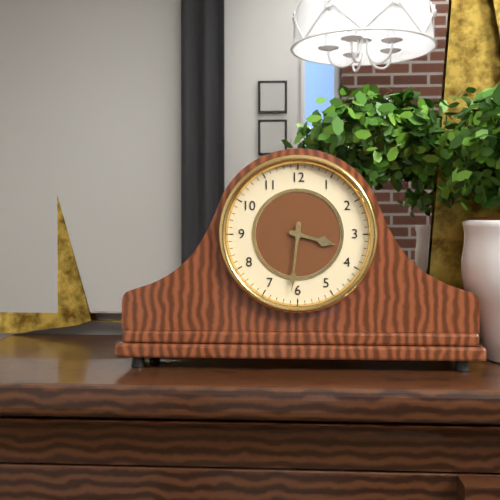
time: 3:31
